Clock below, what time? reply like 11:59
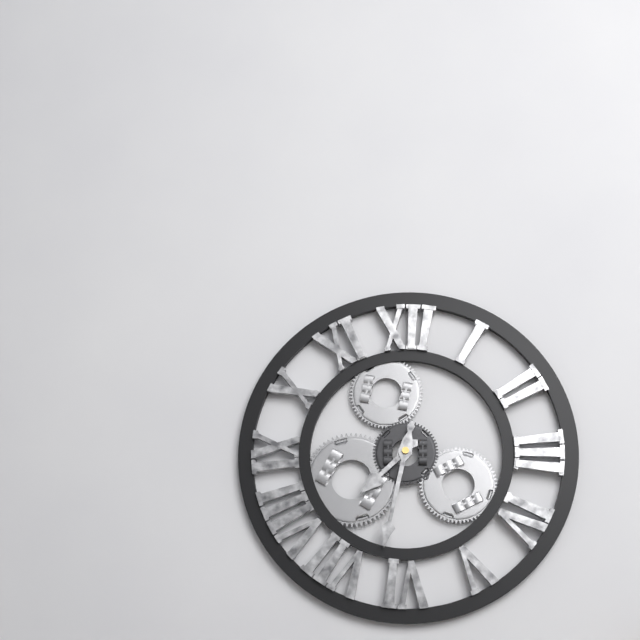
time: 7:32
